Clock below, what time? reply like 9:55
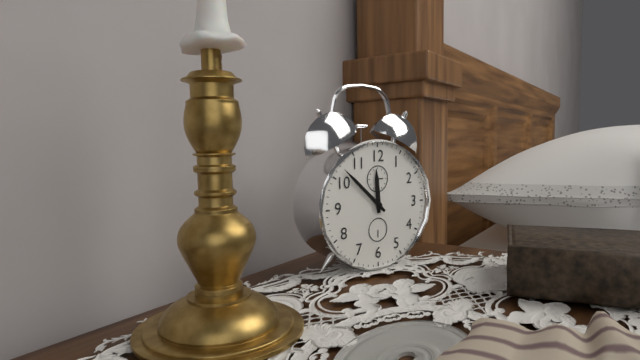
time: 11:52
